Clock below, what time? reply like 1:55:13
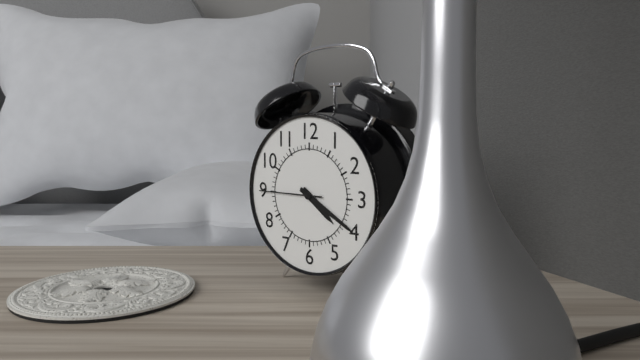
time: 4:20:45
